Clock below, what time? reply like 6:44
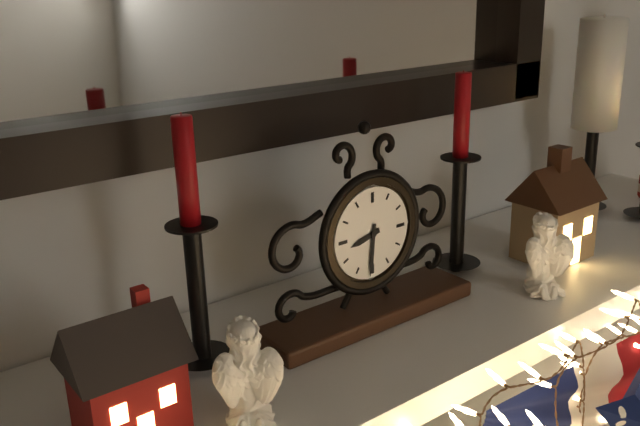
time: 8:31
